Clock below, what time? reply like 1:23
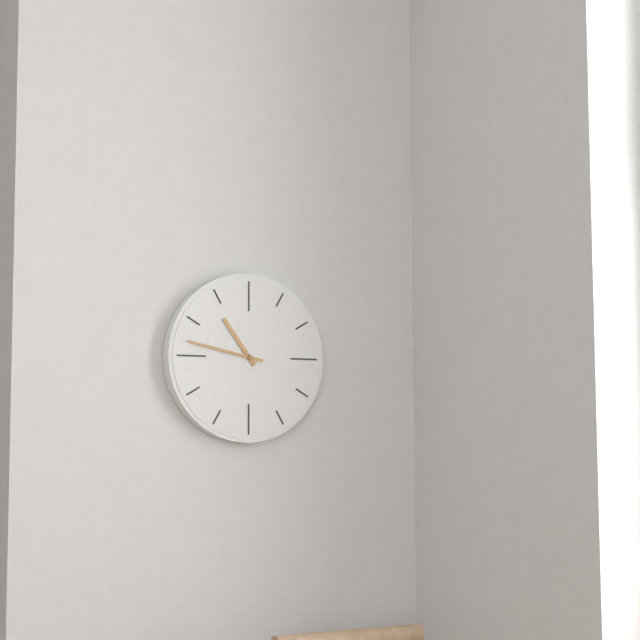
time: 10:47
